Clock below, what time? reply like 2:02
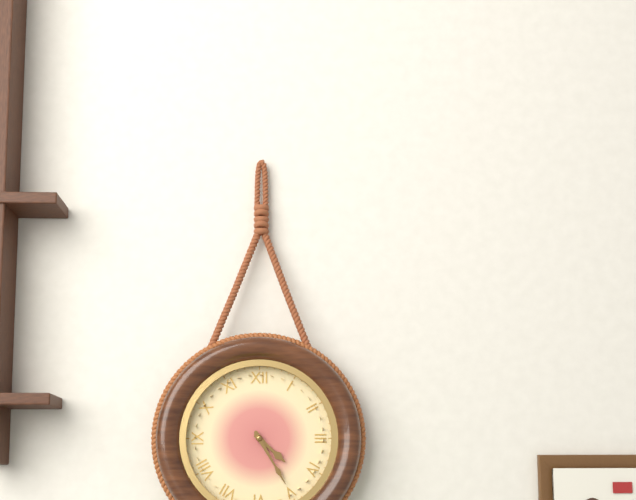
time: 4:25
